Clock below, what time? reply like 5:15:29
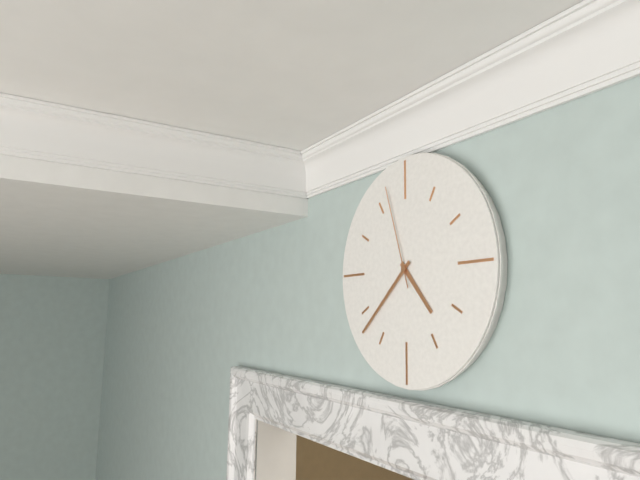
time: 4:38:57
